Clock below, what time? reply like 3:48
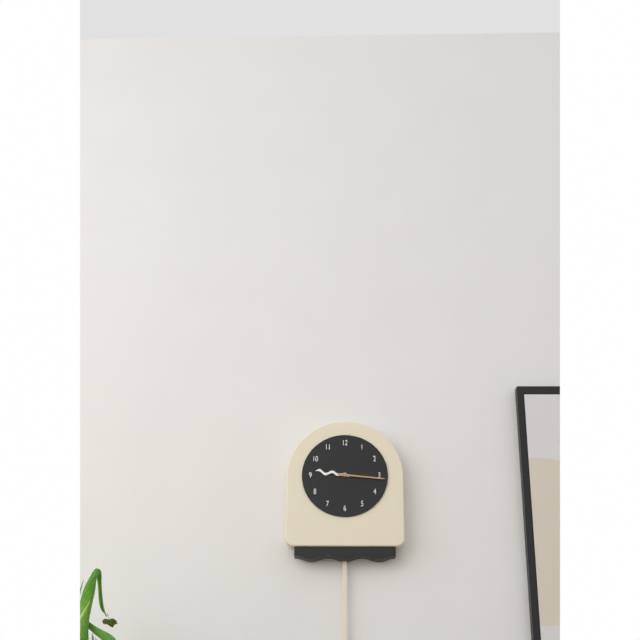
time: 9:16
